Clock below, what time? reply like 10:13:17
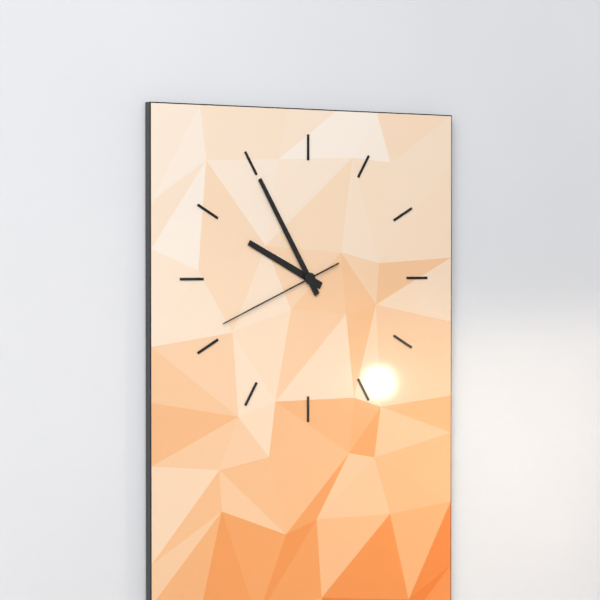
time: 9:55:41
